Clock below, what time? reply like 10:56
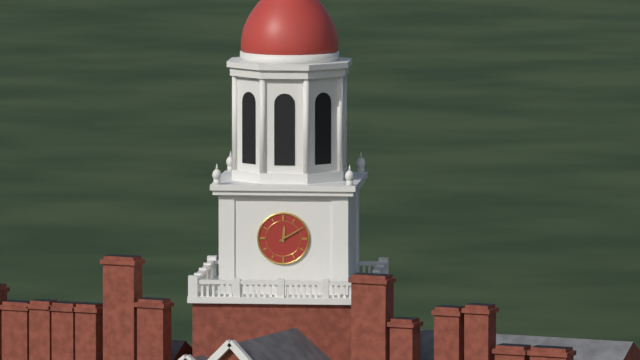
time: 12:10
